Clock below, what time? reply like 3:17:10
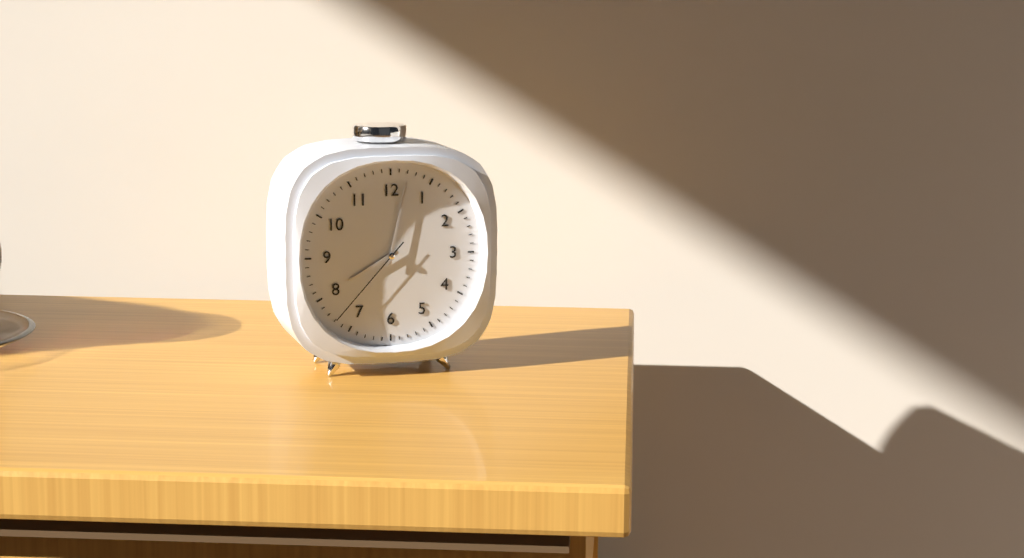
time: 8:02:37
